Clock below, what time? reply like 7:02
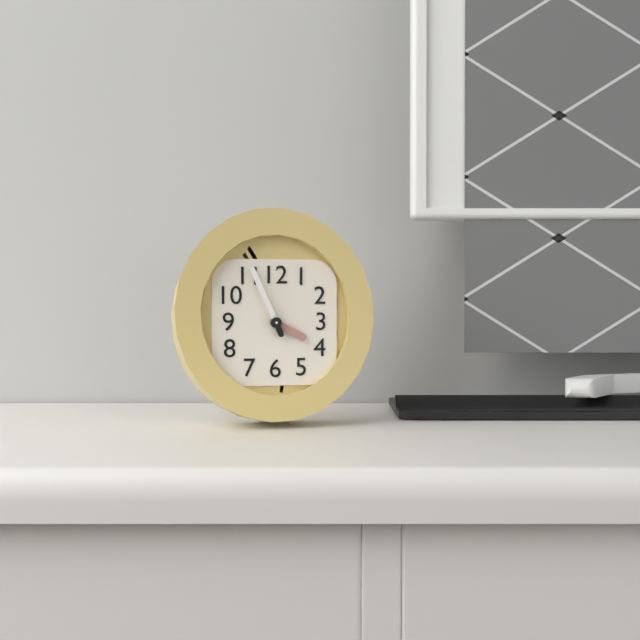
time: 3:56
